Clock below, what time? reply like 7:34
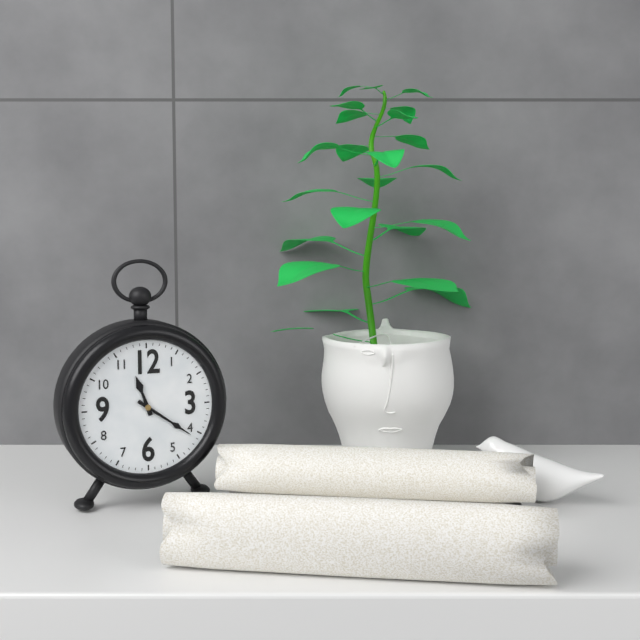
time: 11:21
